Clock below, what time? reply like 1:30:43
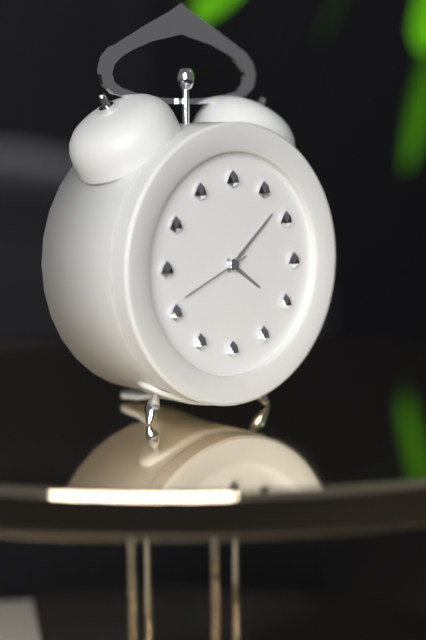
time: 4:08:41
